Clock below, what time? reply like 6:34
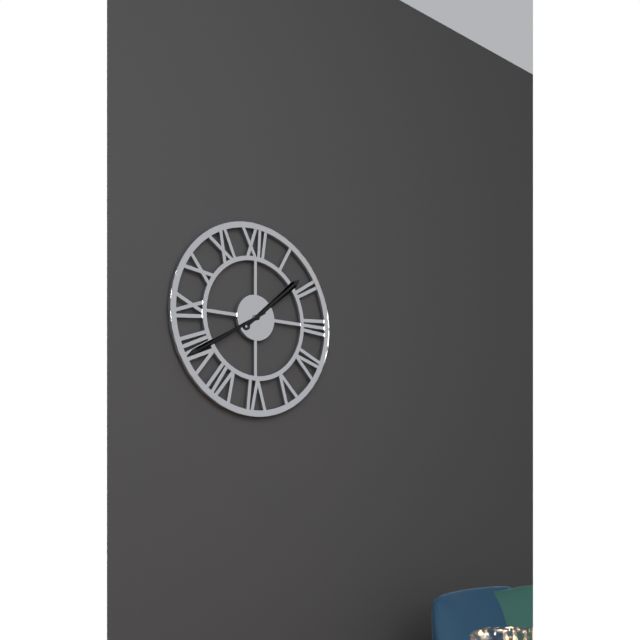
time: 1:40
